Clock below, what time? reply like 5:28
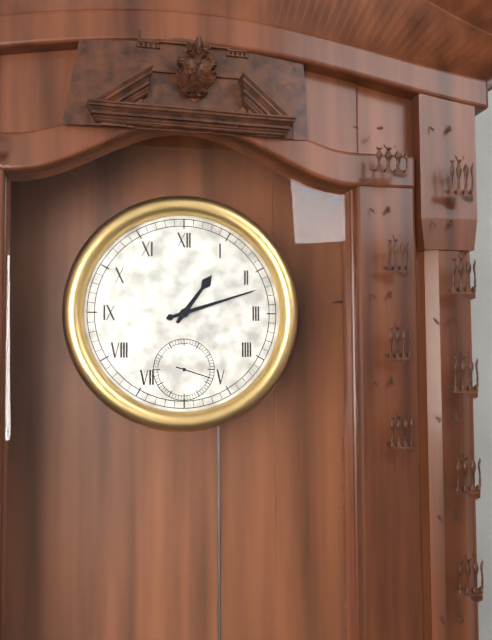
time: 1:12
